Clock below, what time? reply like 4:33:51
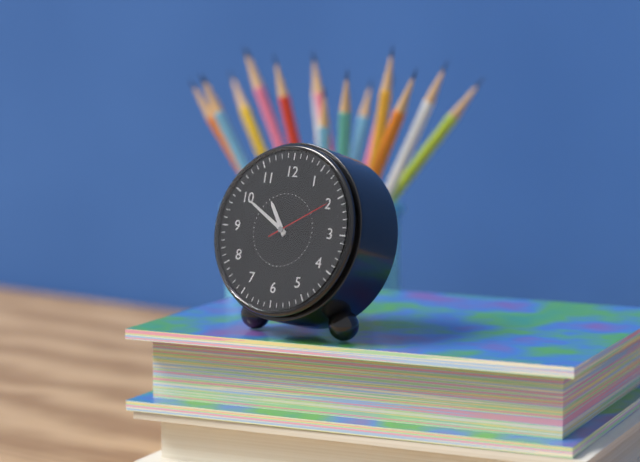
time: 10:50:10
